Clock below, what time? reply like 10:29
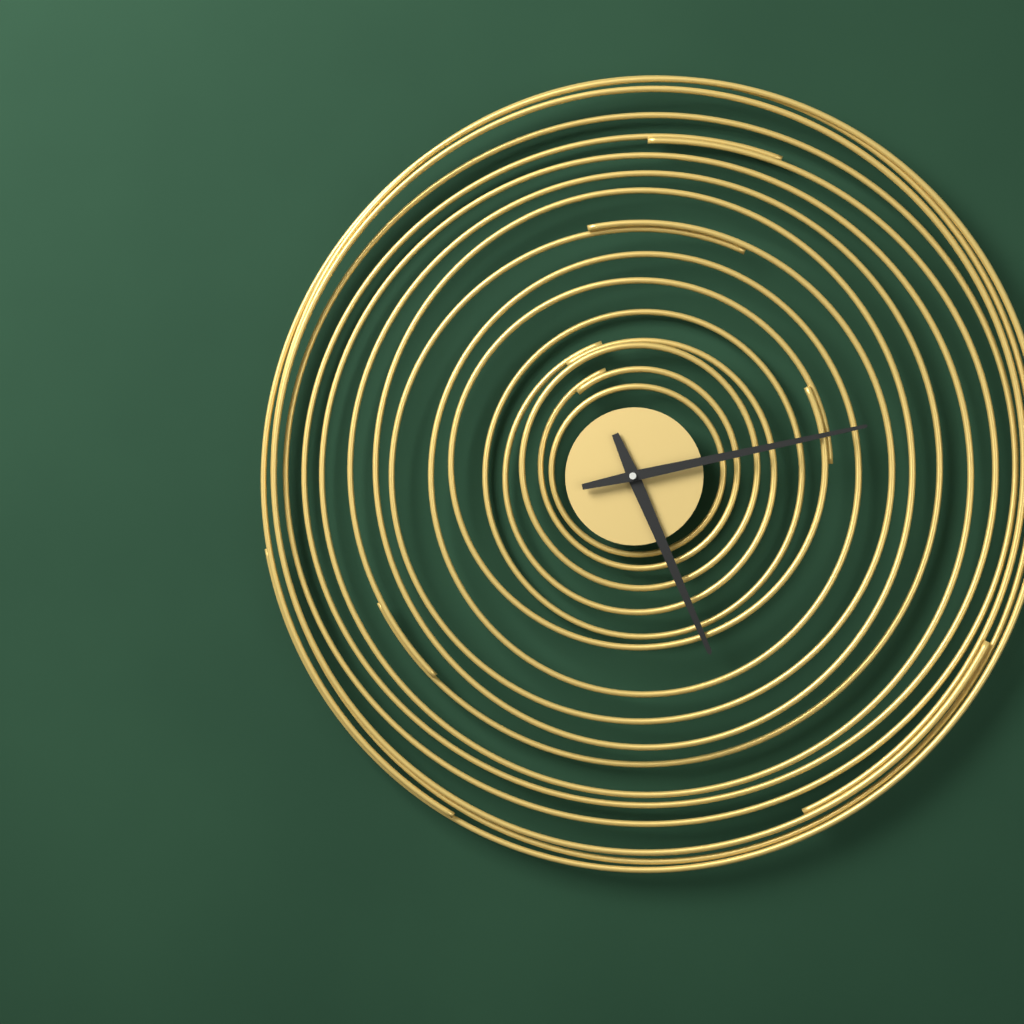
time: 5:13
